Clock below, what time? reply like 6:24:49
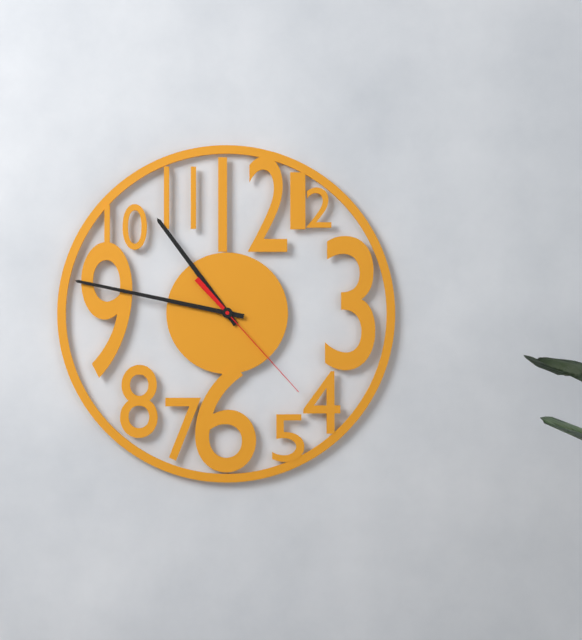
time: 10:47:23
